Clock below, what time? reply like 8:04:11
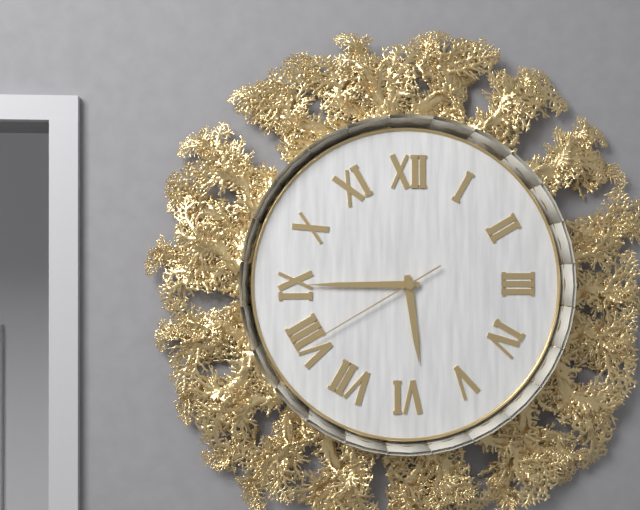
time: 5:45:40
